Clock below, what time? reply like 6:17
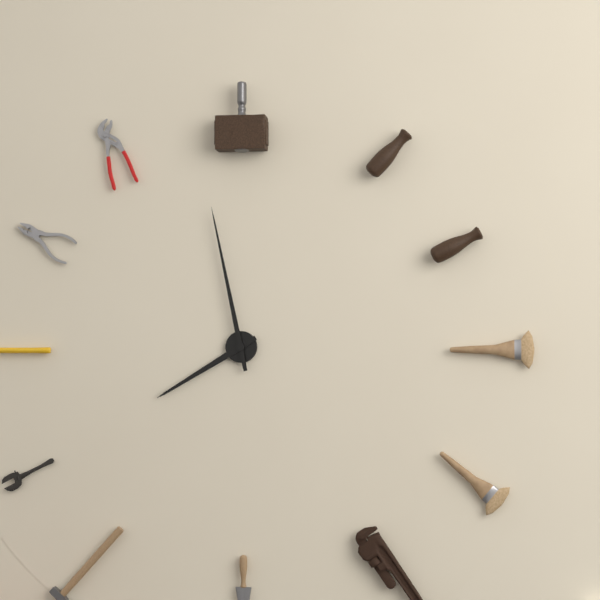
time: 7:58
